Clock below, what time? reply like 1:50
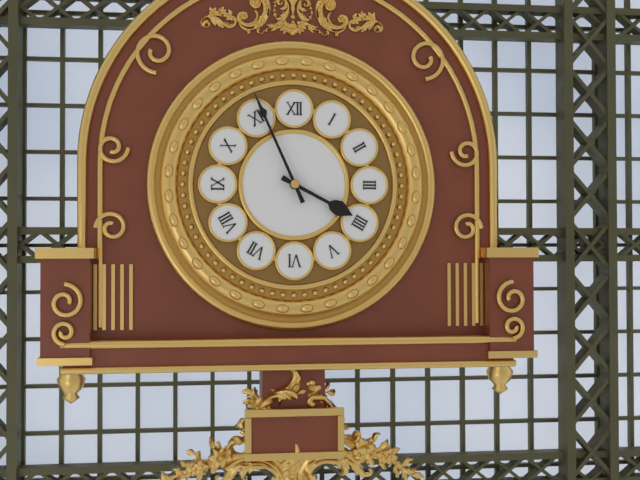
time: 3:56
